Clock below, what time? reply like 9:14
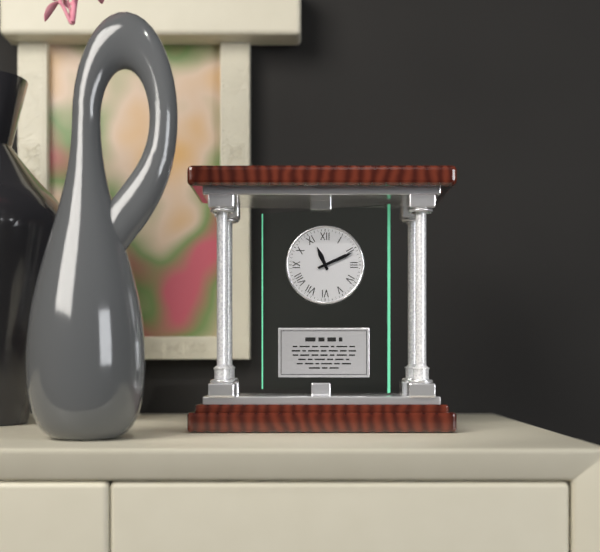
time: 11:11
